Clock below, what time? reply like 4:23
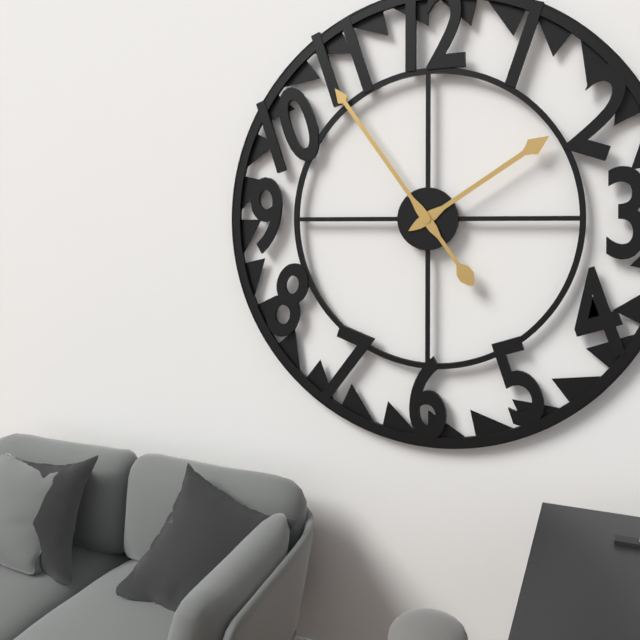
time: 1:54
